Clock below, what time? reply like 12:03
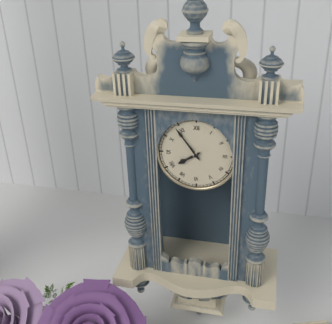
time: 7:54
